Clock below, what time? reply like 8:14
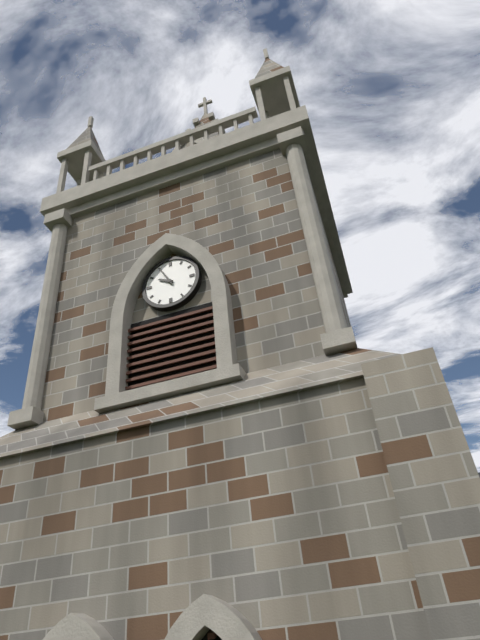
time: 9:55
